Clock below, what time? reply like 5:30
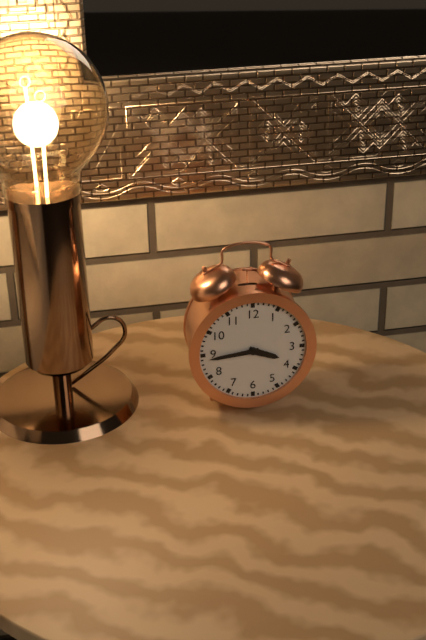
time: 3:44
